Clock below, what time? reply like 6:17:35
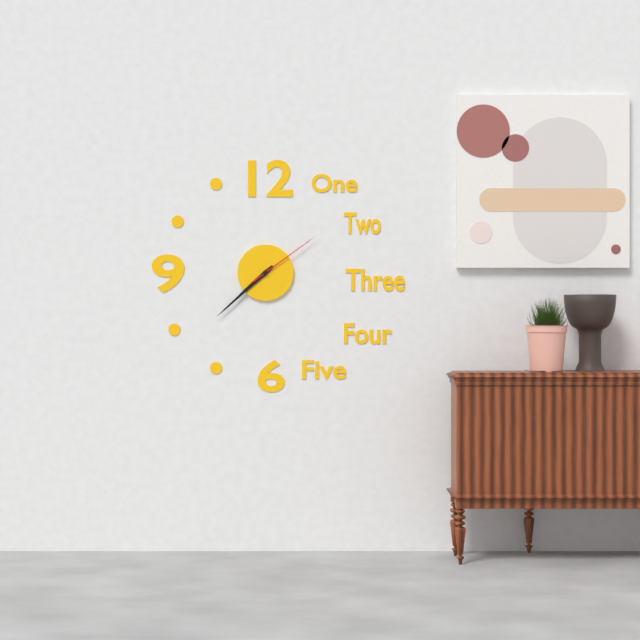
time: 7:38:09
